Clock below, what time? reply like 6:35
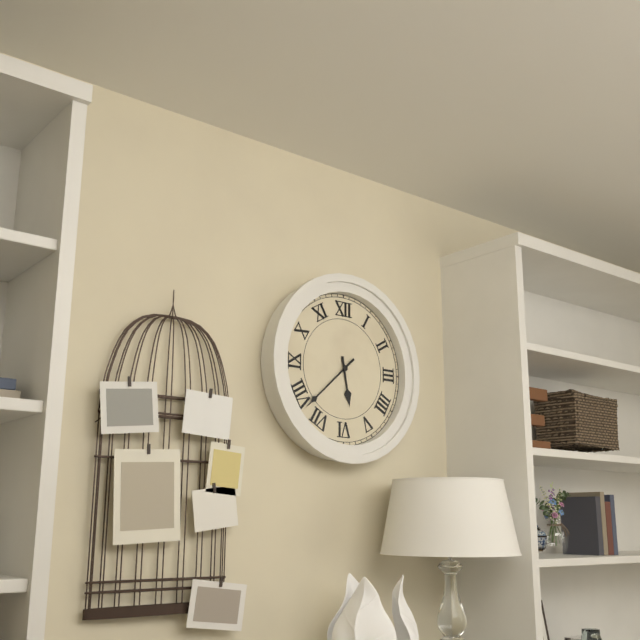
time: 5:38
